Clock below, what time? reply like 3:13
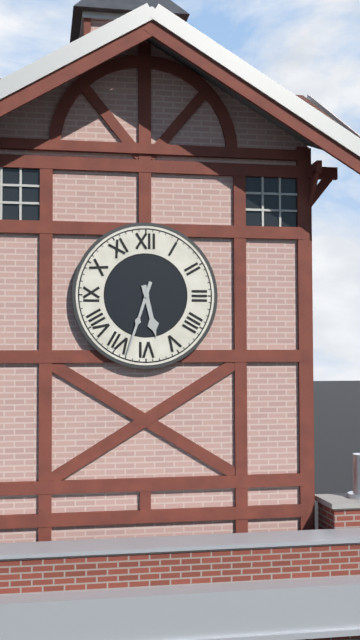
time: 5:33
